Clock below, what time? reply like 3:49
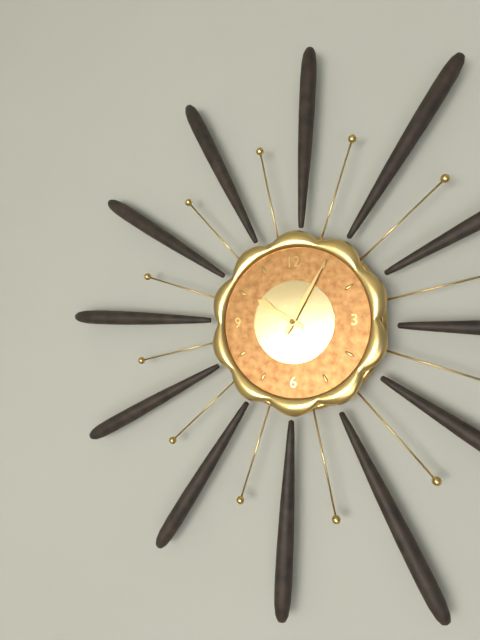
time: 10:05
